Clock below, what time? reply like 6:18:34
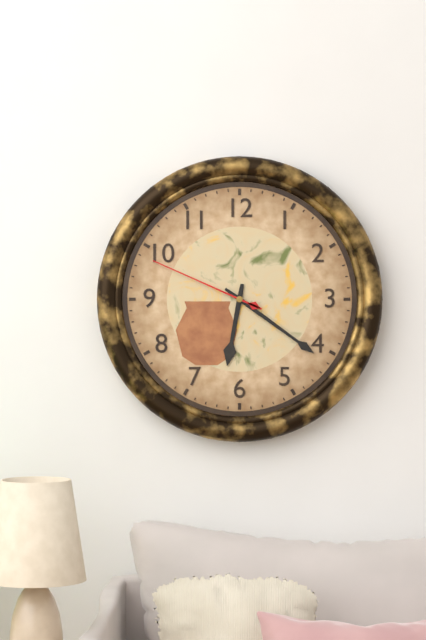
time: 6:21:49
